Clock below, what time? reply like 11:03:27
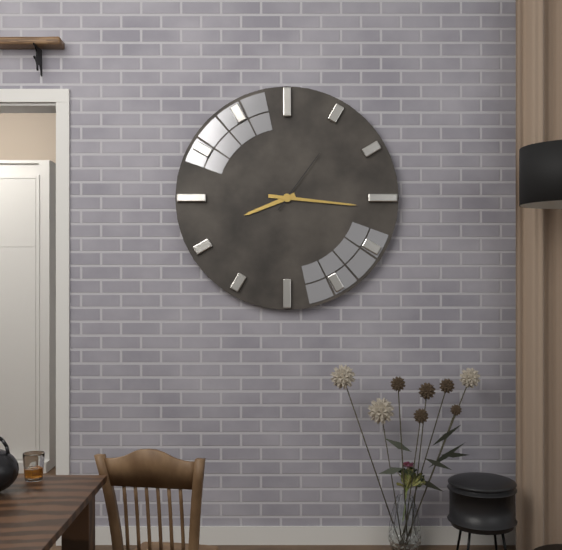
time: 8:16:06
